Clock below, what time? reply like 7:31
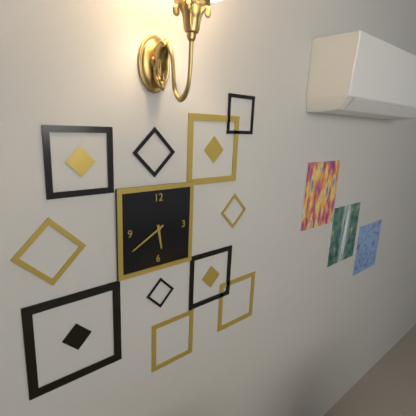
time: 5:40
